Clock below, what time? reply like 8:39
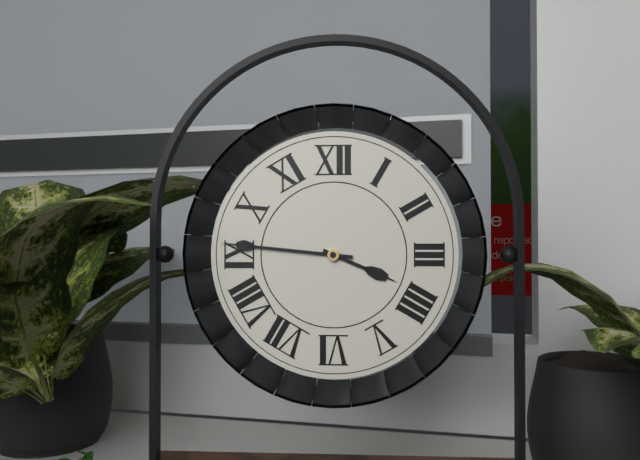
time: 3:46
